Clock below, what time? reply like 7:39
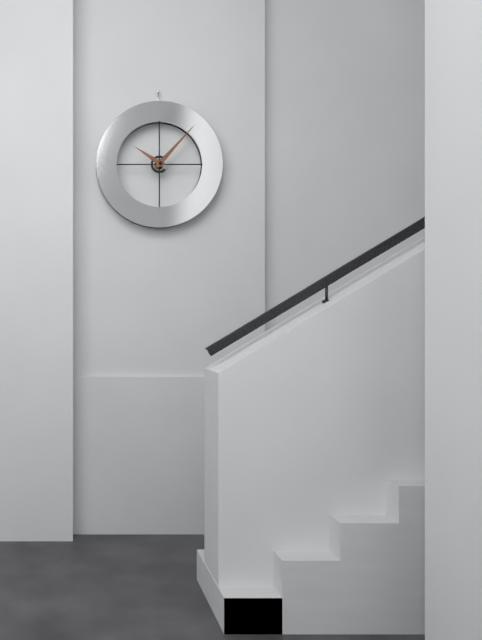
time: 10:07
